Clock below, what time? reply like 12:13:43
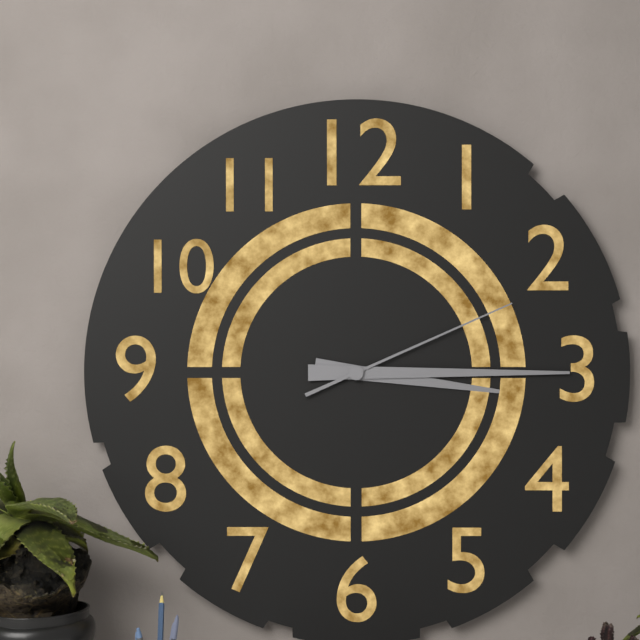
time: 3:15:11
